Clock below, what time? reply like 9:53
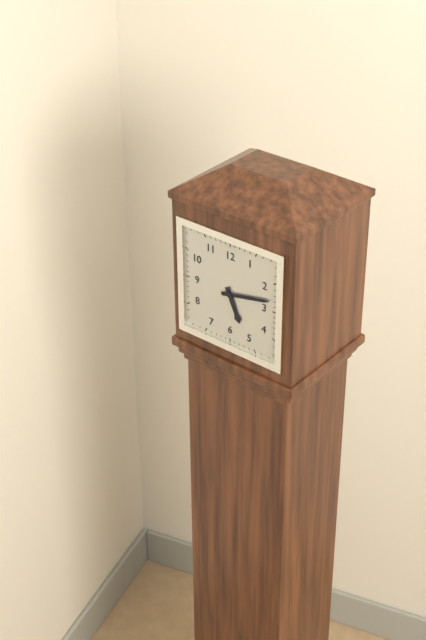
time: 5:13
